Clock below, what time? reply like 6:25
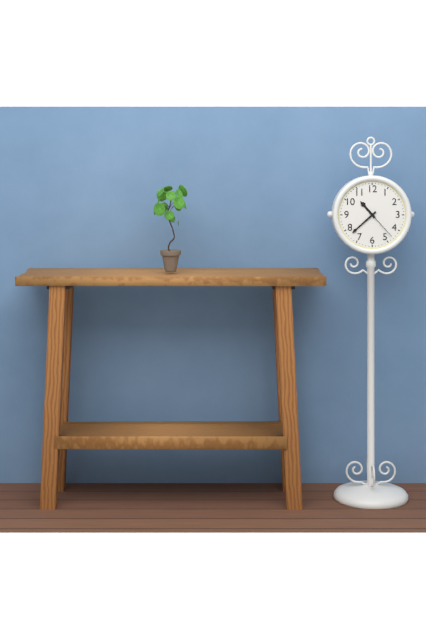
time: 10:38
